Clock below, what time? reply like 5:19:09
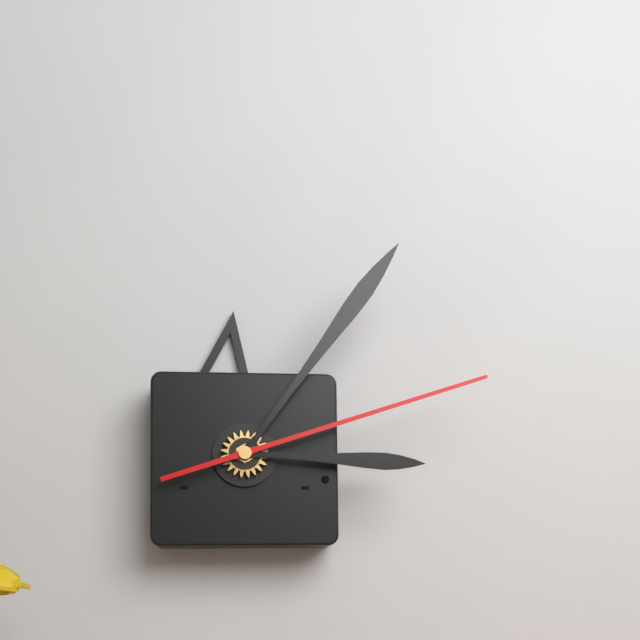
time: 3:06:12
